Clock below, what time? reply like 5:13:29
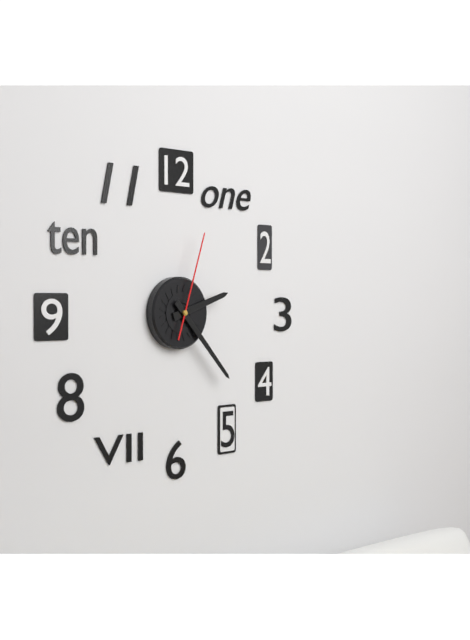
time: 2:23:03
